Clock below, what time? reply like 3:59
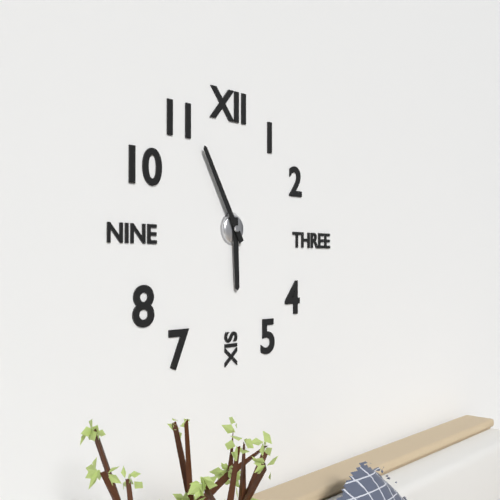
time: 5:55
